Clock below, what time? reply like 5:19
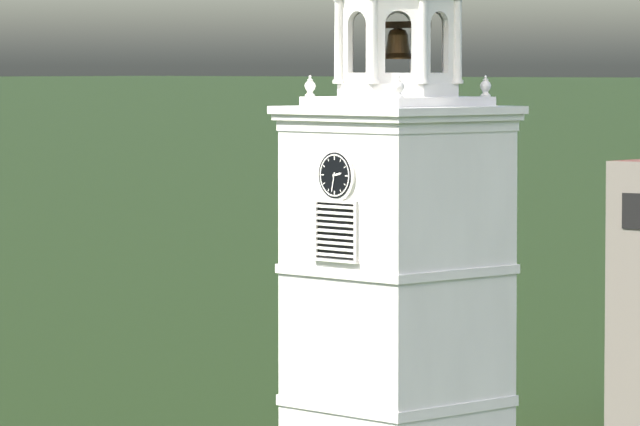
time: 2:32
